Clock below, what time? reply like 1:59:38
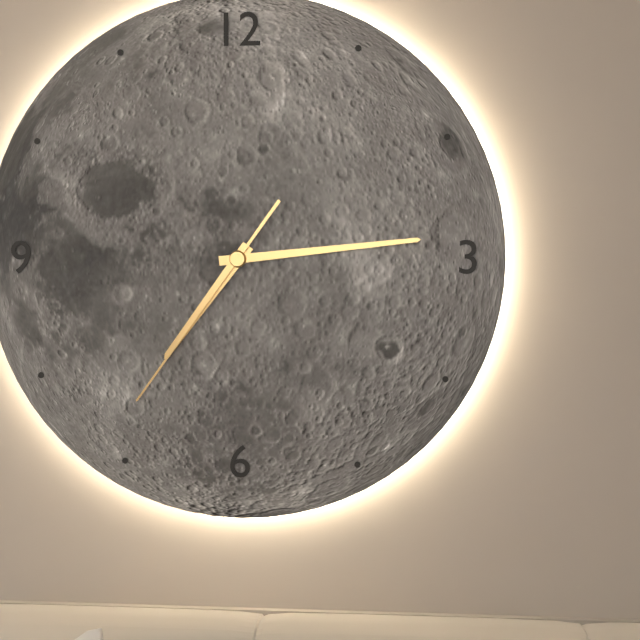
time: 7:14:36
